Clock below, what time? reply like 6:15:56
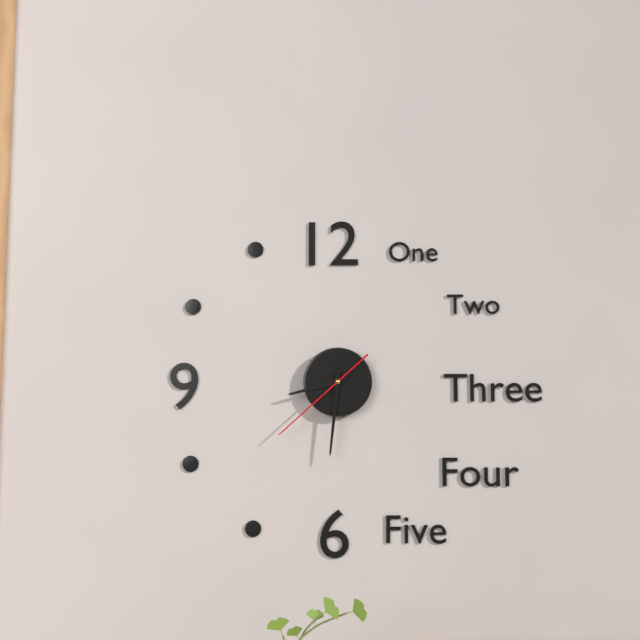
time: 8:31:38
